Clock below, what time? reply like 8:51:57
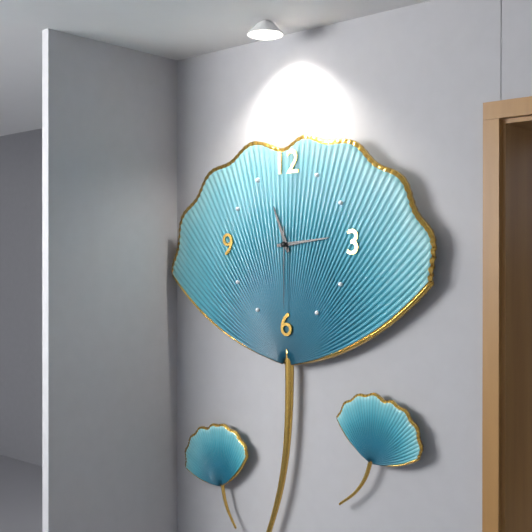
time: 11:14:30
